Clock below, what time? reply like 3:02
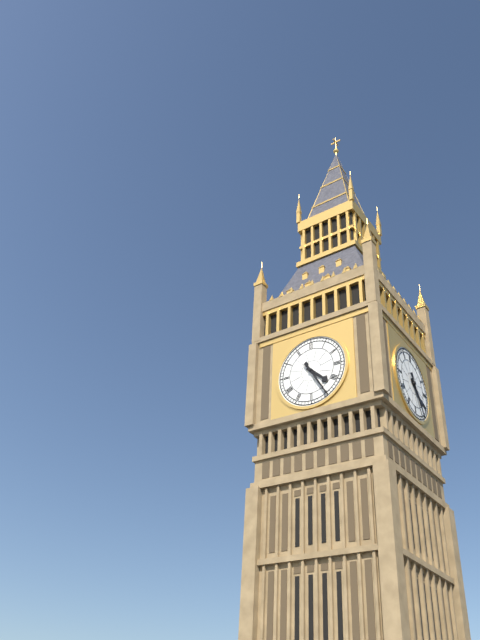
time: 4:25
